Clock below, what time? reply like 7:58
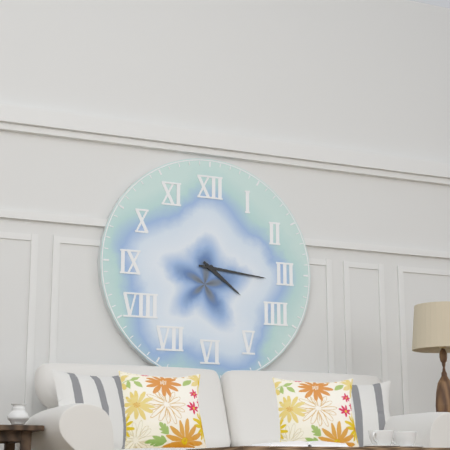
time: 4:16
